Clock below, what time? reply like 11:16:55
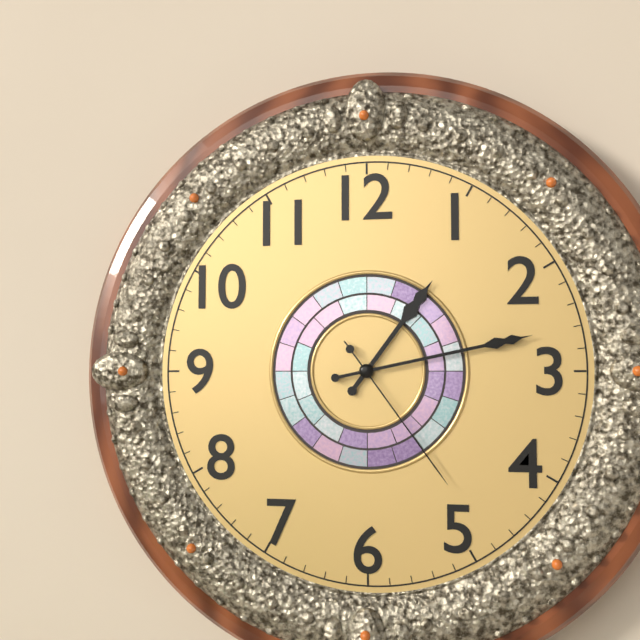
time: 1:13:24
